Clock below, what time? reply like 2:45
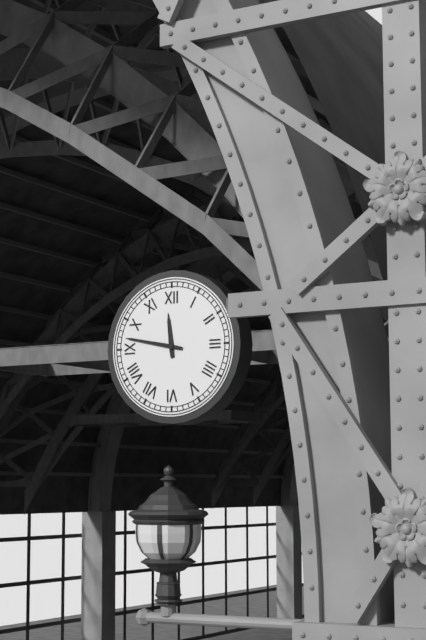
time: 11:47
